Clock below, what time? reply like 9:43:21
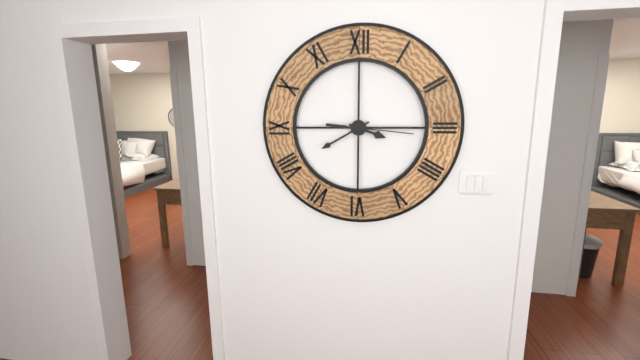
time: 3:40:16
